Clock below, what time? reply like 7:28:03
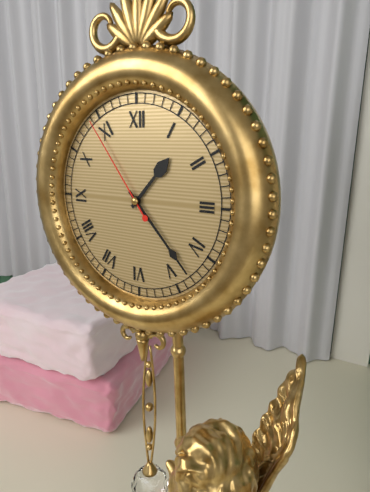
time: 1:23:54
